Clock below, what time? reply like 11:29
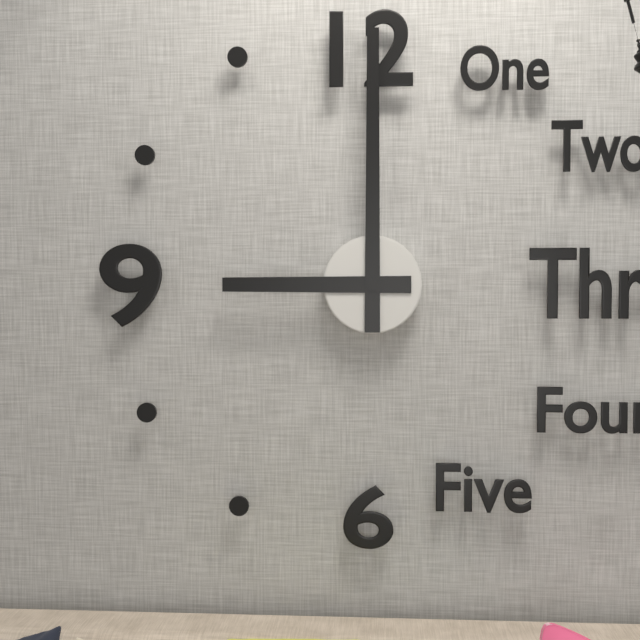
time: 9:00
